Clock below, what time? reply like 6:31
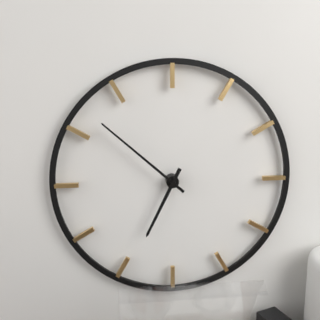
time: 6:52
